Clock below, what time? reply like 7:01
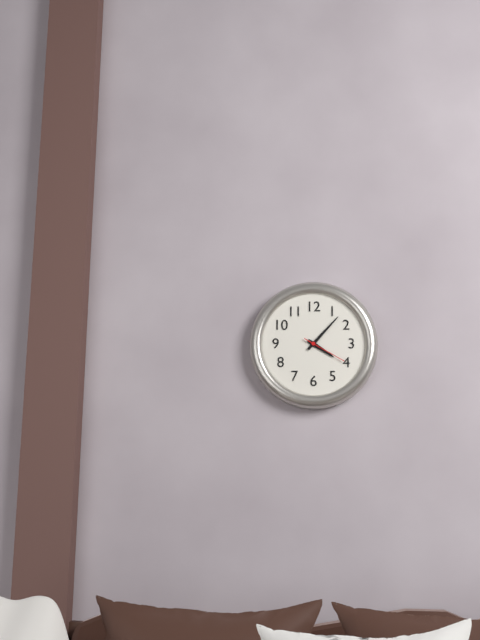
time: 4:07
